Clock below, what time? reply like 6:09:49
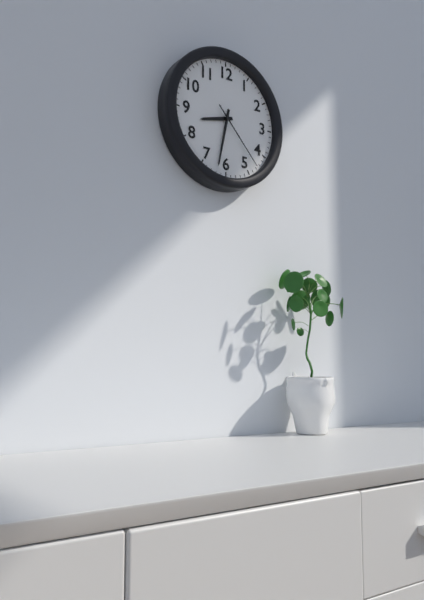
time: 8:32:23
